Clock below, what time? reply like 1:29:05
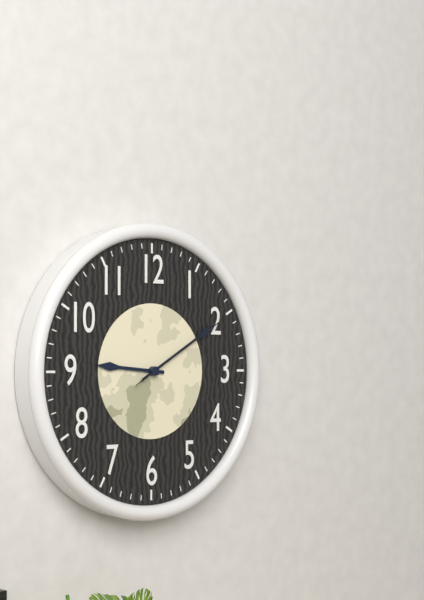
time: 9:10:10
